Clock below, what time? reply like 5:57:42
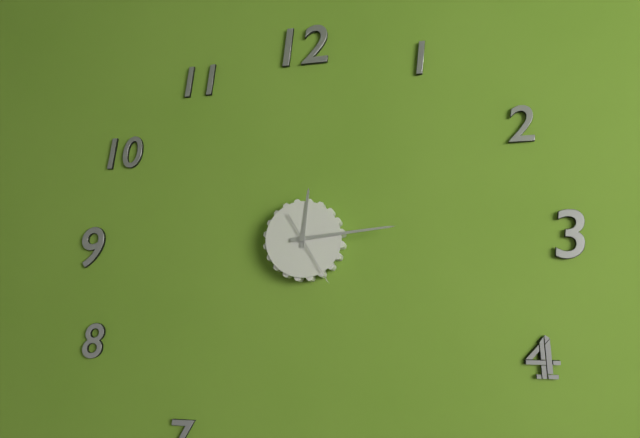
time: 12:14:25
